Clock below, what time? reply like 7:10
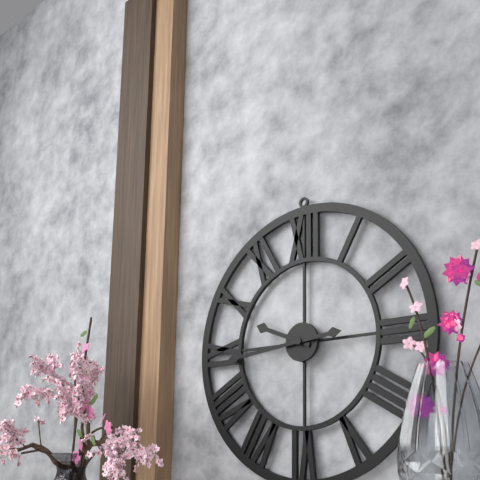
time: 9:44
